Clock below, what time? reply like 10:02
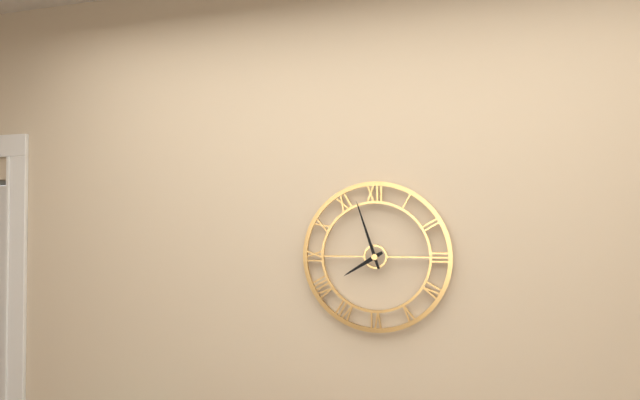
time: 7:57
